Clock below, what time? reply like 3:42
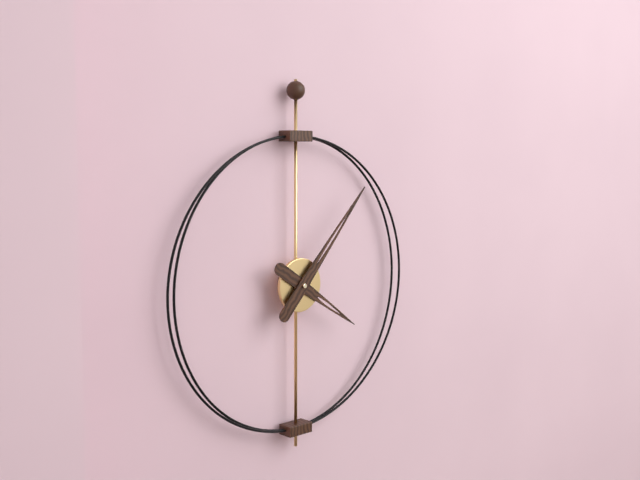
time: 4:07
